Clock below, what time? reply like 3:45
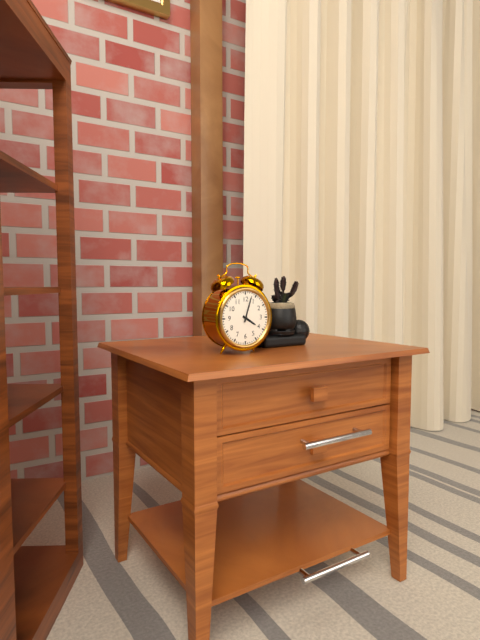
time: 4:03
